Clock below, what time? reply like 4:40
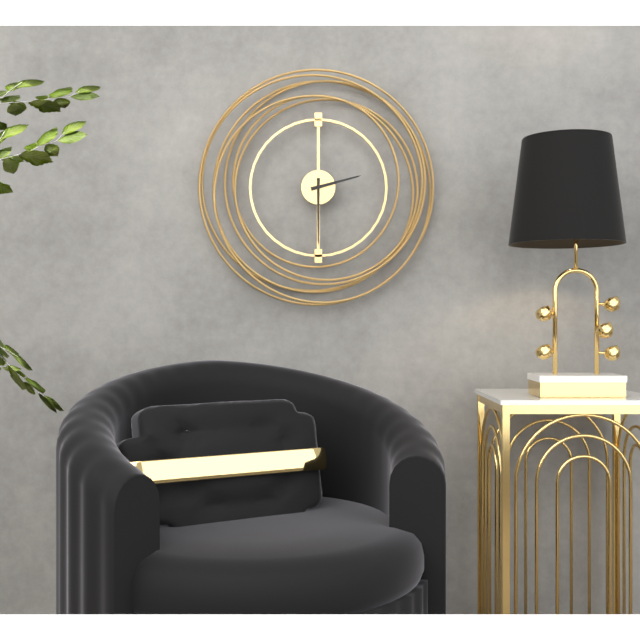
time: 2:30
